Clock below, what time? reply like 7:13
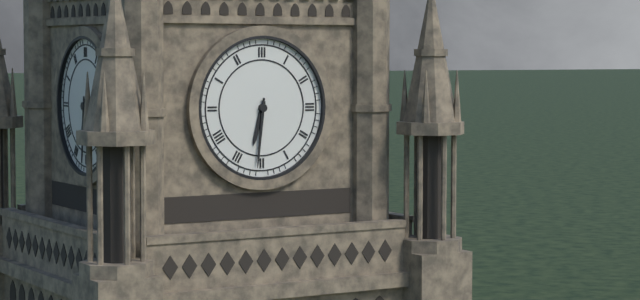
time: 6:31
